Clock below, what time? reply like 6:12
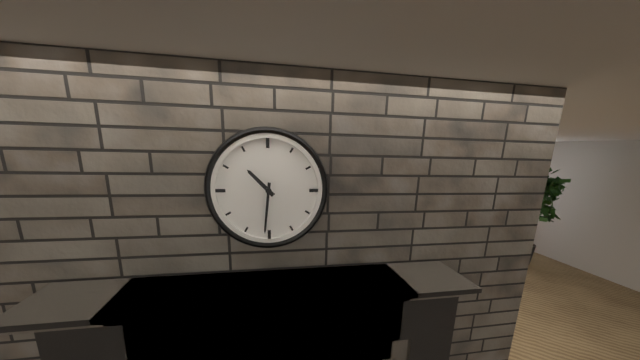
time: 10:31
